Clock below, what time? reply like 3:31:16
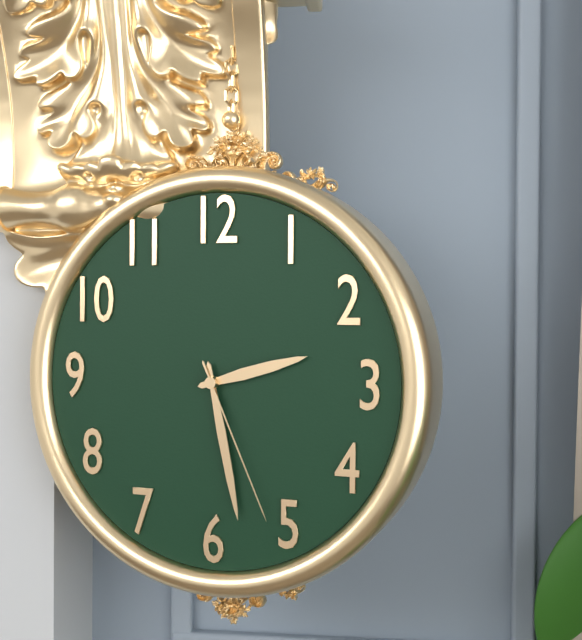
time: 2:28:26
